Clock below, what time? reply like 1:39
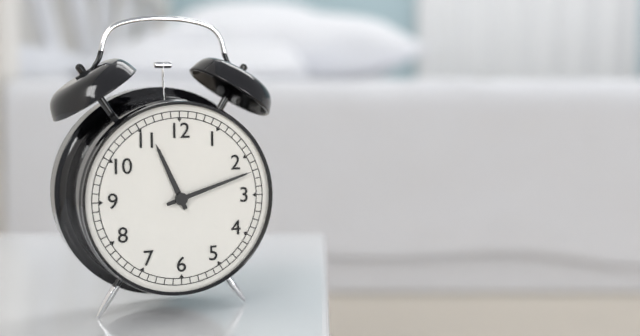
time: 11:12
